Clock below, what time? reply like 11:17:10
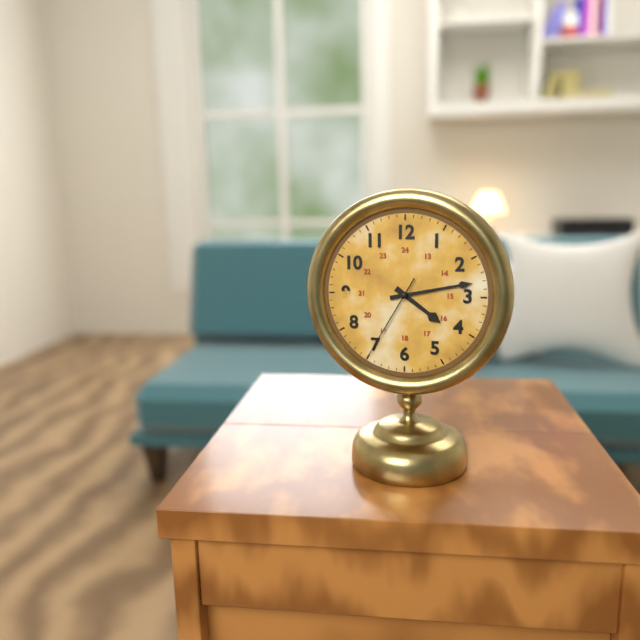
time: 4:13:35
